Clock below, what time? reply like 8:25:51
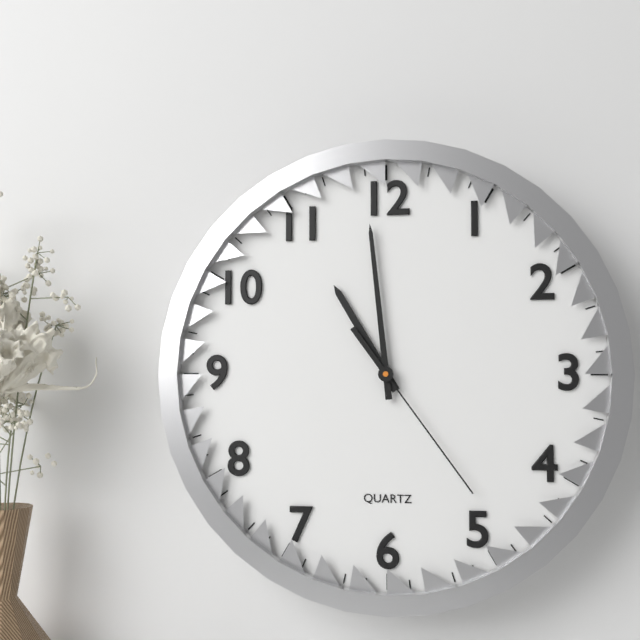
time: 10:59:24
